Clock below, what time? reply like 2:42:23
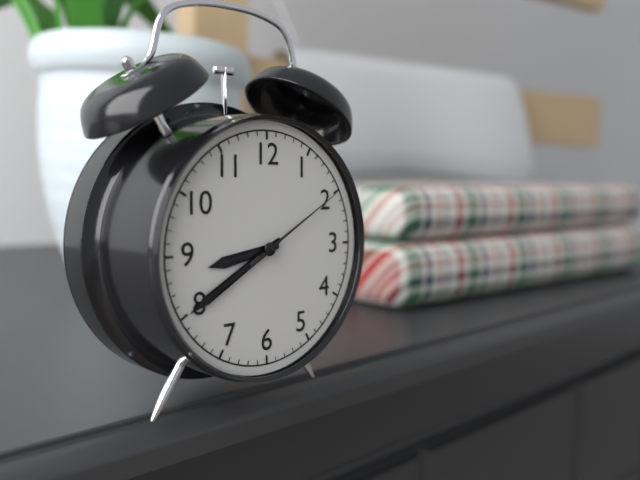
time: 8:40:10
